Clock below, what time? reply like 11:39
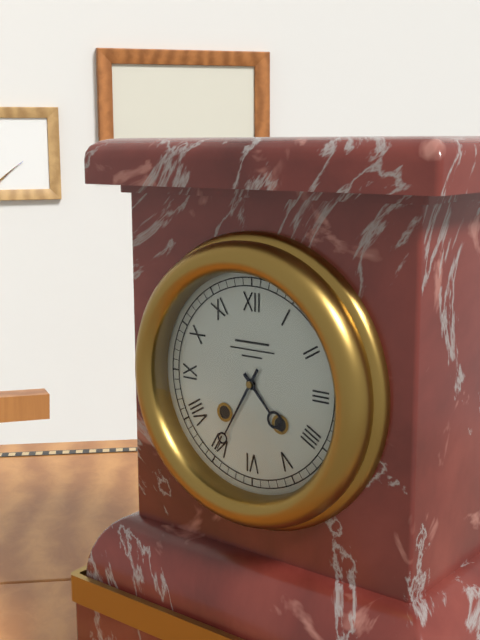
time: 4:35
